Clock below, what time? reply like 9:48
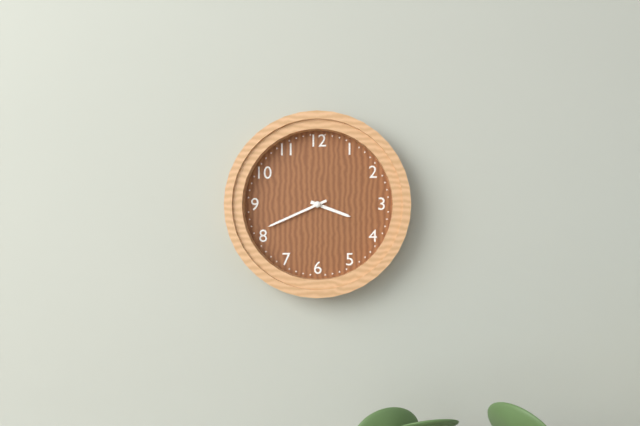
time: 3:41
